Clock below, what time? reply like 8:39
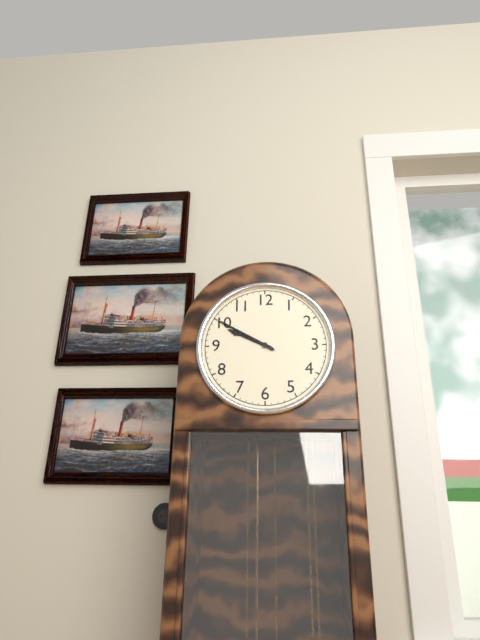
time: 9:50
